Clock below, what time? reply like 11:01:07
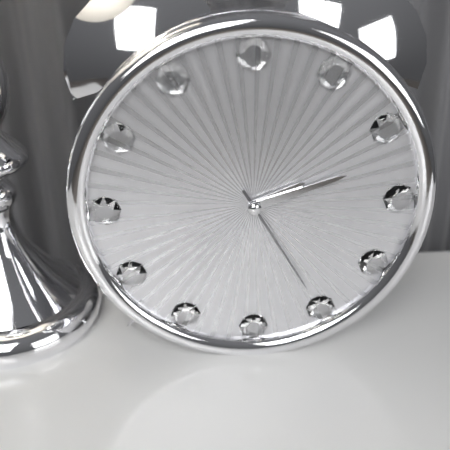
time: 2:12:25
